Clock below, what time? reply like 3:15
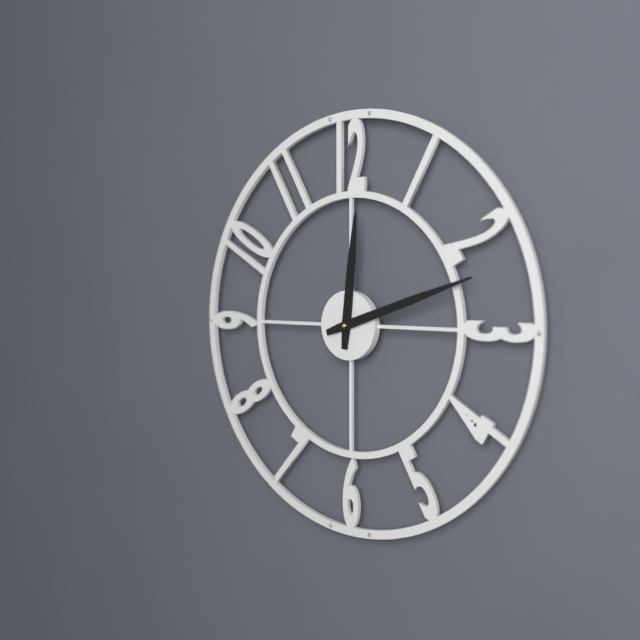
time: 12:12
